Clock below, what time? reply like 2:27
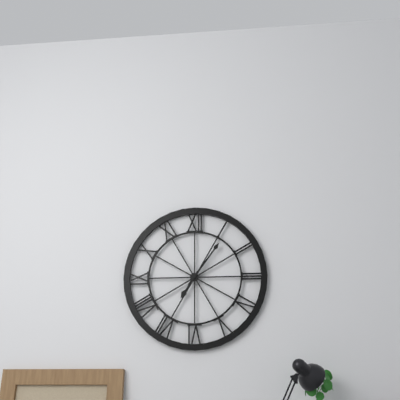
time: 7:06
